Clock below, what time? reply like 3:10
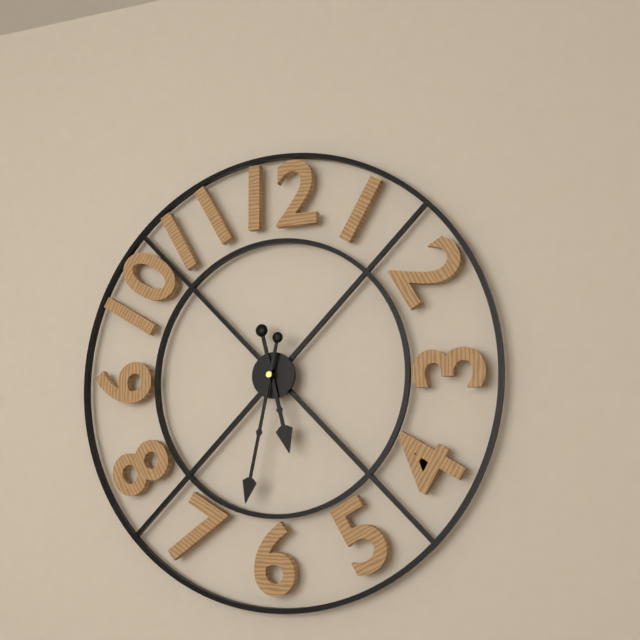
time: 5:32
